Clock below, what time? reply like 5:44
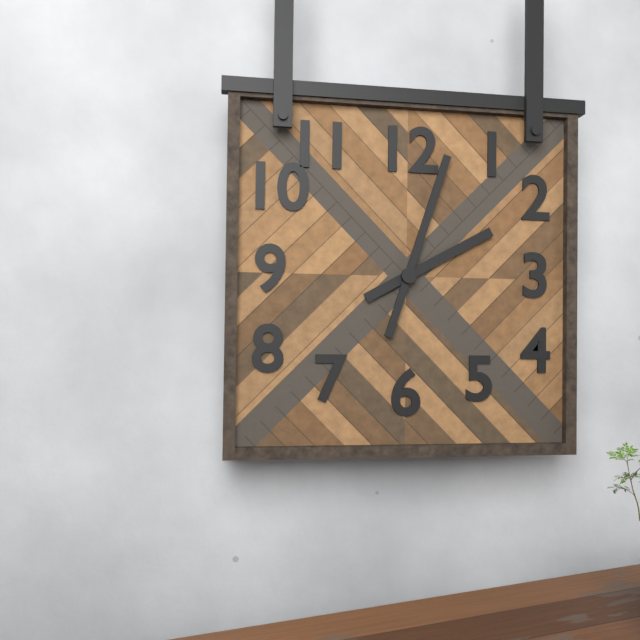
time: 2:03
